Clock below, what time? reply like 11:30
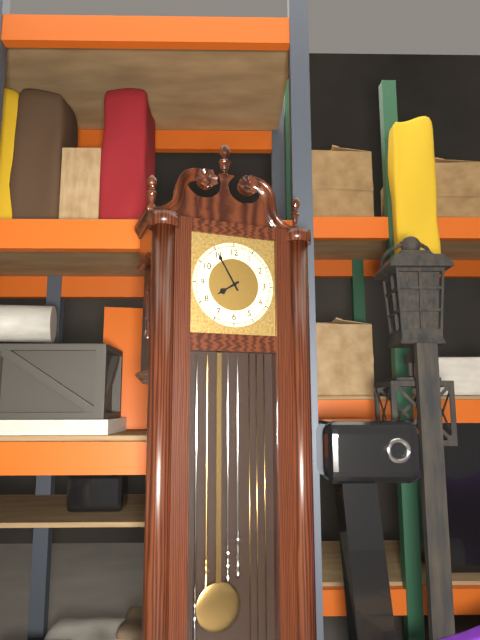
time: 7:55
